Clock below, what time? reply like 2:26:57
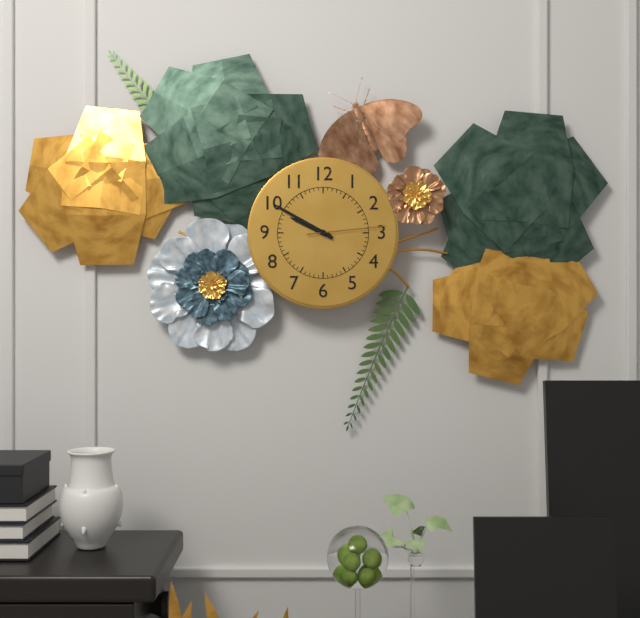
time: 9:50:14
